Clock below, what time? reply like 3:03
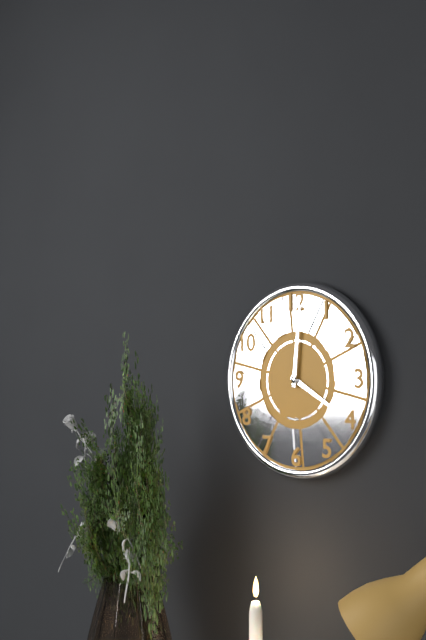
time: 4:01
